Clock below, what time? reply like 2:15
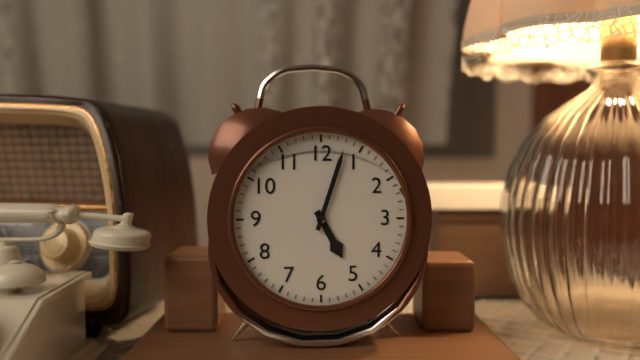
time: 5:03
